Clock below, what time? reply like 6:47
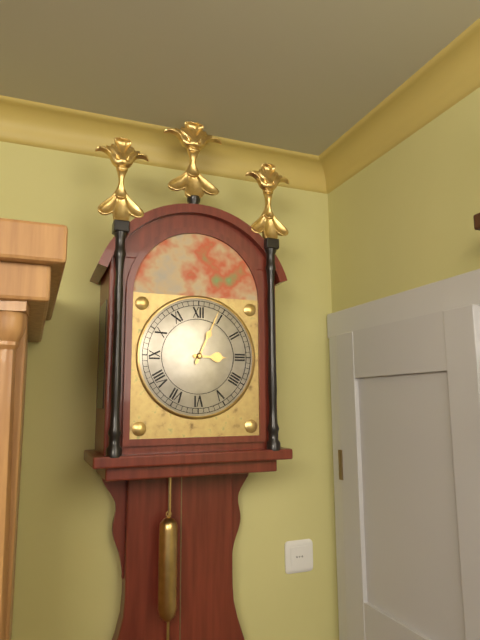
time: 3:04
